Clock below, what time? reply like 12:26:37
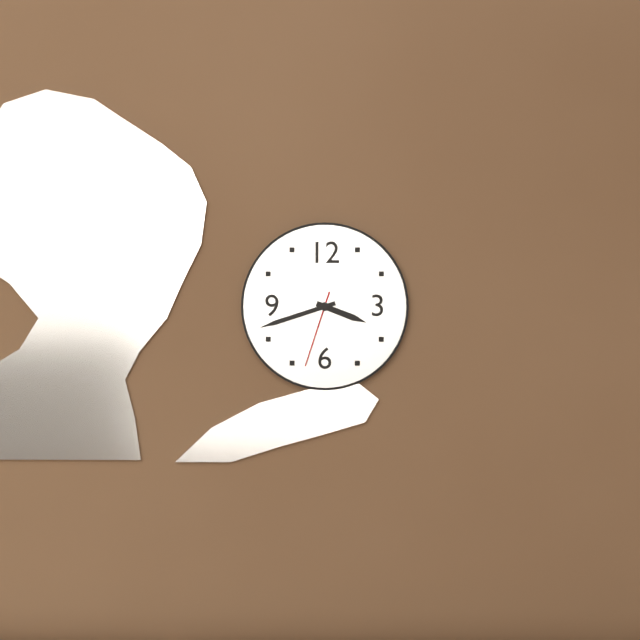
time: 3:42:33
